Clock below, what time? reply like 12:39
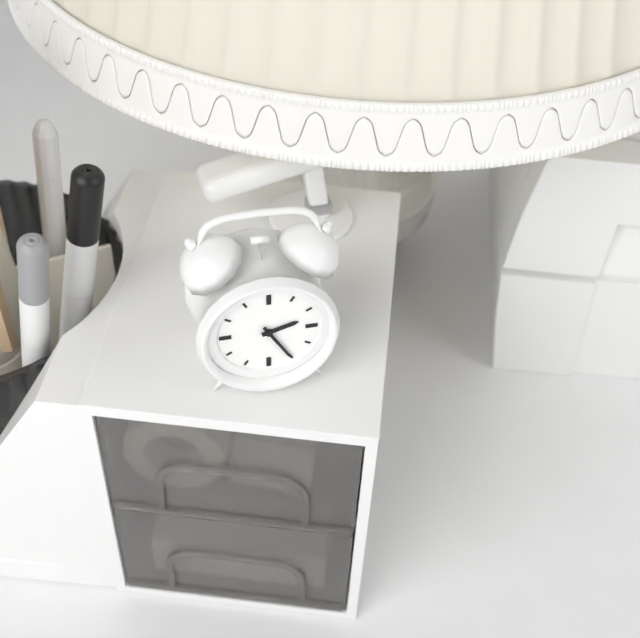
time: 2:25
